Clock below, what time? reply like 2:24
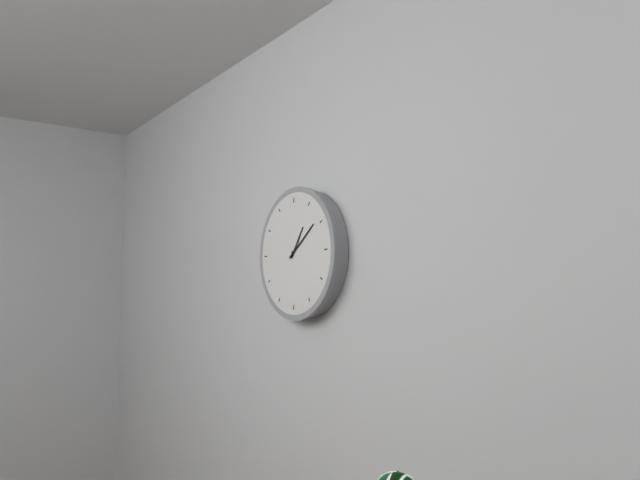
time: 1:09
